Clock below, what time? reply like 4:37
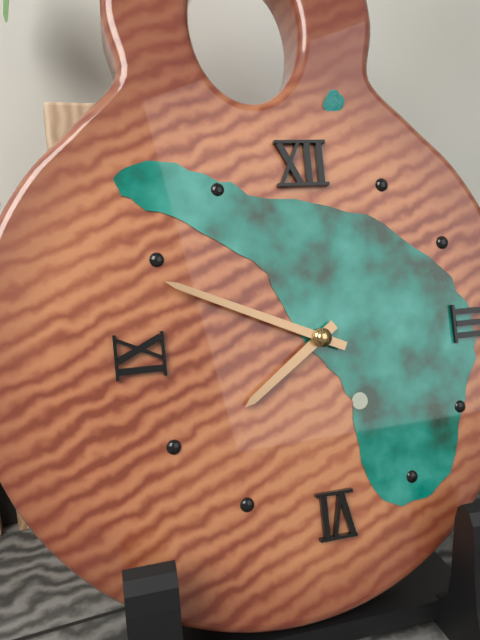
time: 7:49
